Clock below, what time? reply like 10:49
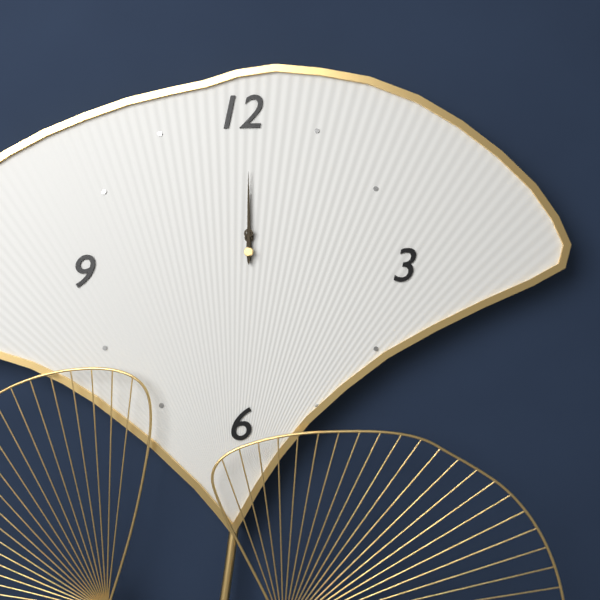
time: 12:00
